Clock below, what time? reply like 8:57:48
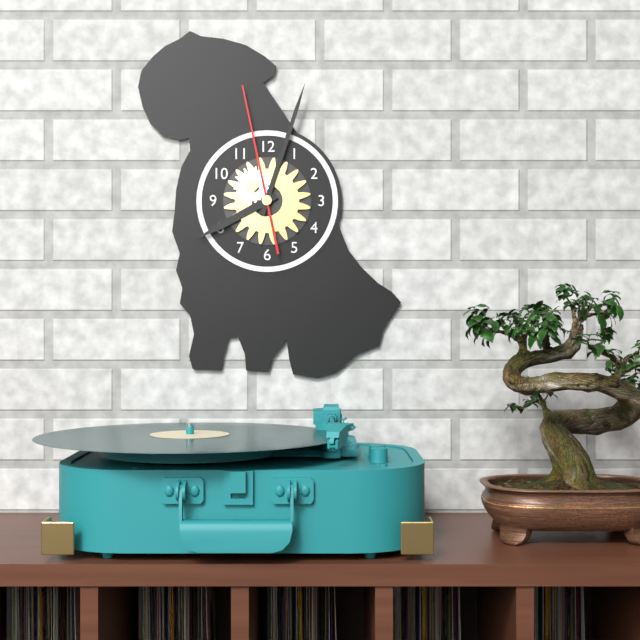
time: 8:03:58
